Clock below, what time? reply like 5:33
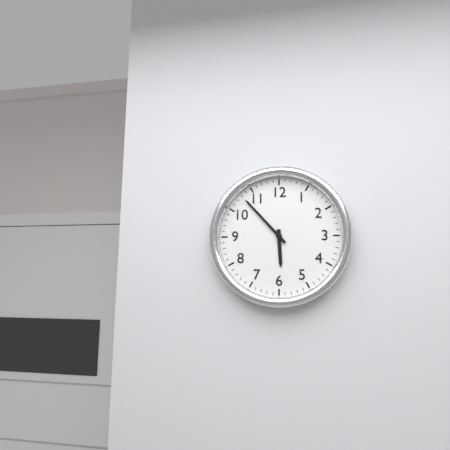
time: 5:53
